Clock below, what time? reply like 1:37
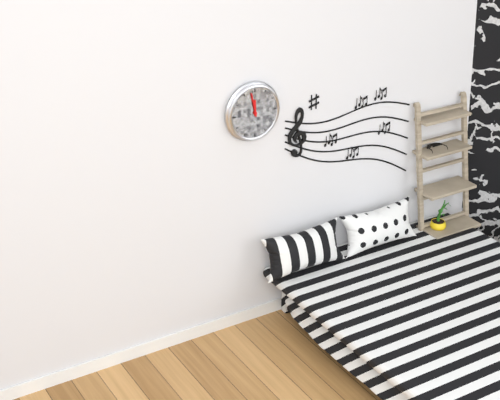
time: 11:58
